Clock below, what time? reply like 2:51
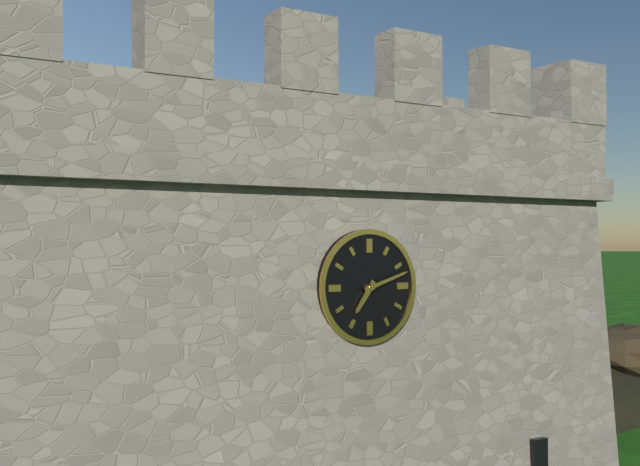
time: 7:12
